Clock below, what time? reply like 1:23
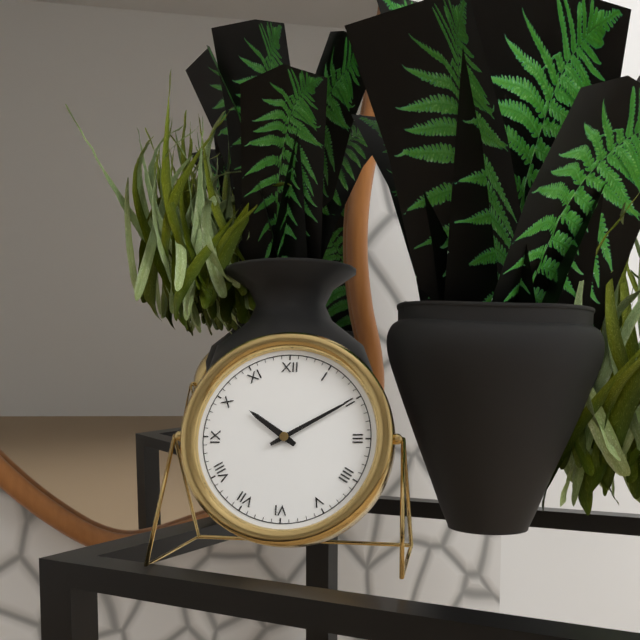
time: 10:10
